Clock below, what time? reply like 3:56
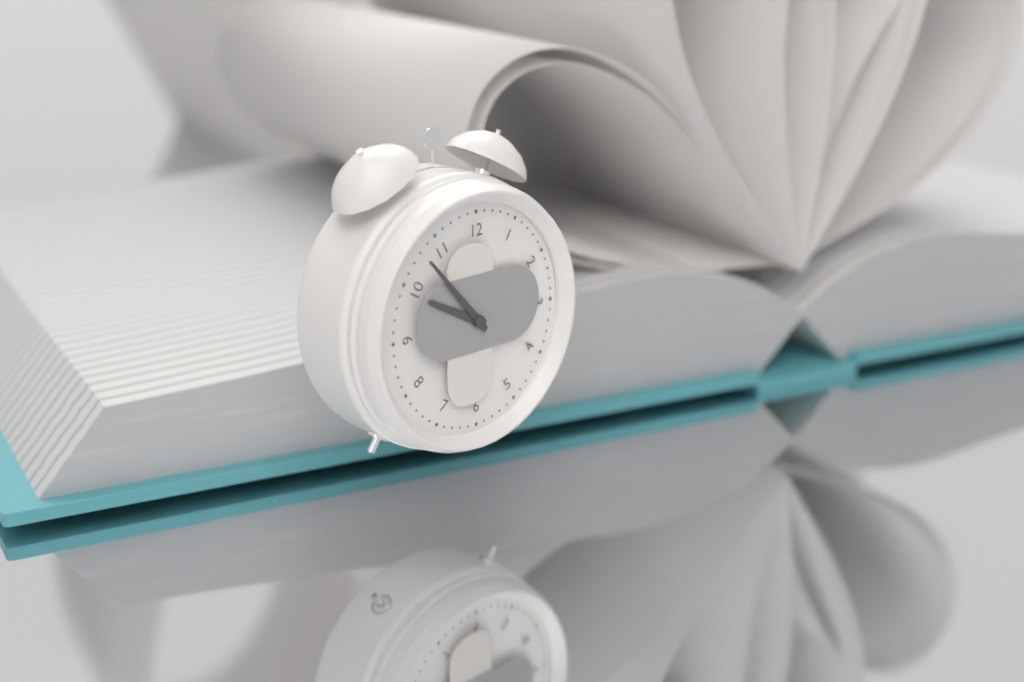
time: 9:53
